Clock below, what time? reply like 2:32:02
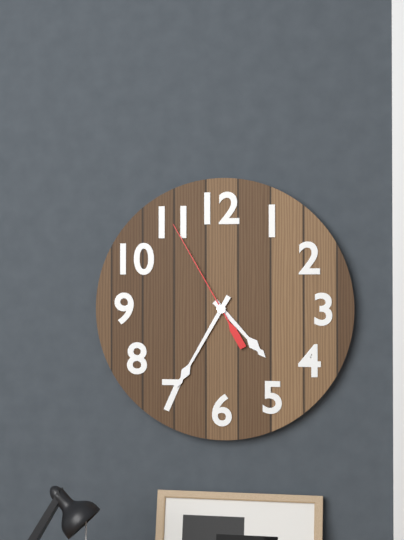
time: 4:35:55
